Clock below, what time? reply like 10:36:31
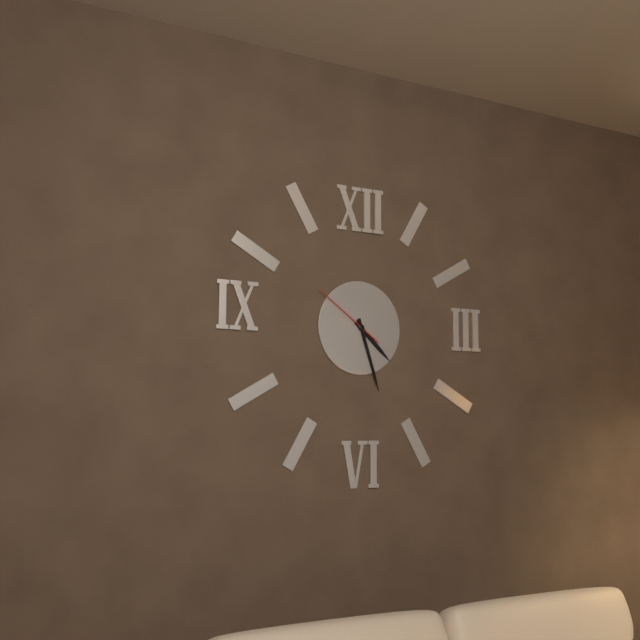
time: 4:27:51
